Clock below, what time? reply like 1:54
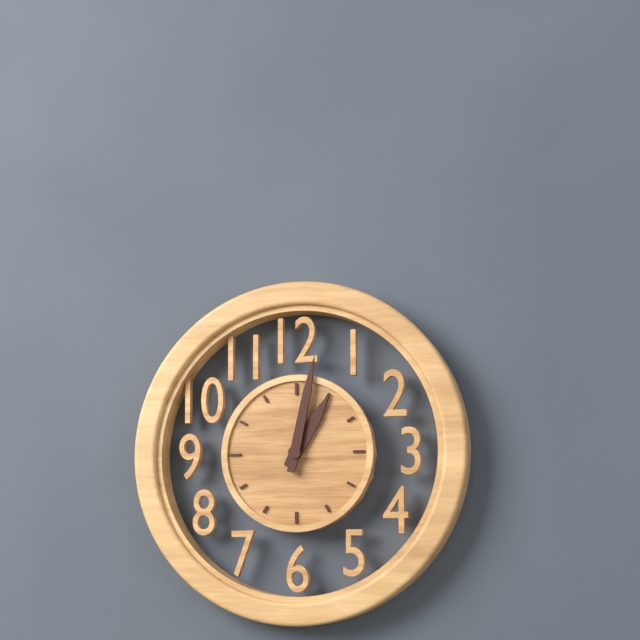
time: 1:02
